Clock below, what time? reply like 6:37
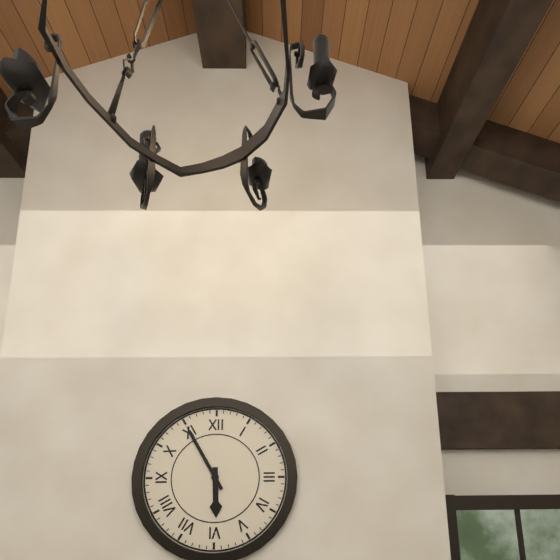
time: 5:55
